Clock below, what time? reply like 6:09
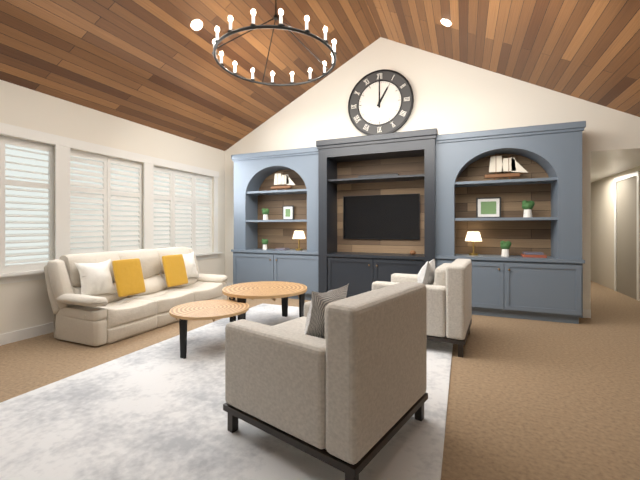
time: 1:00
